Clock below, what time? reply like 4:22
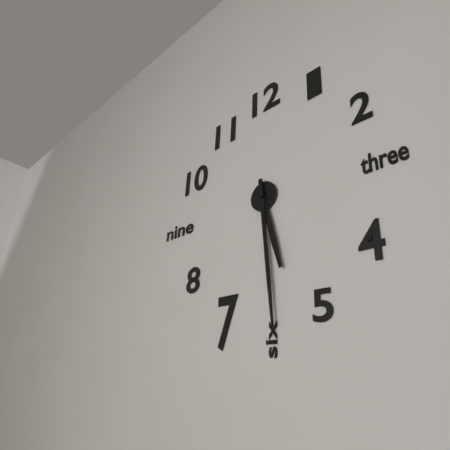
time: 5:29
